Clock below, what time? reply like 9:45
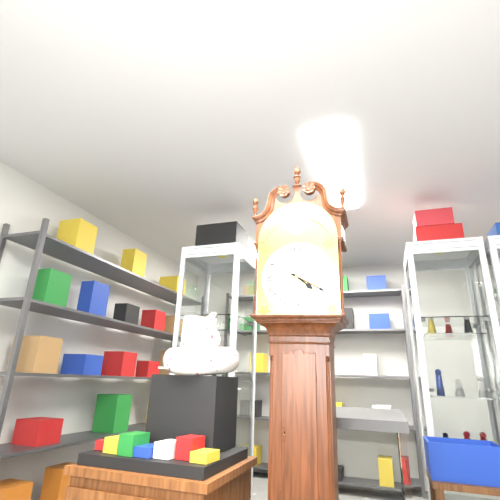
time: 4:20
